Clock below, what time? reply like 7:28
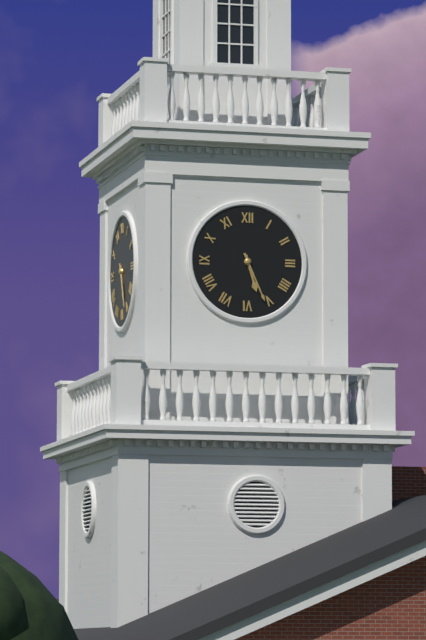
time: 5:26
